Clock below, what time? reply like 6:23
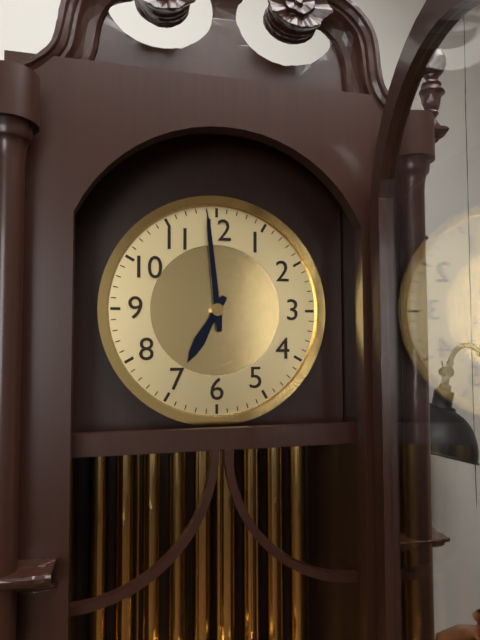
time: 6:59
